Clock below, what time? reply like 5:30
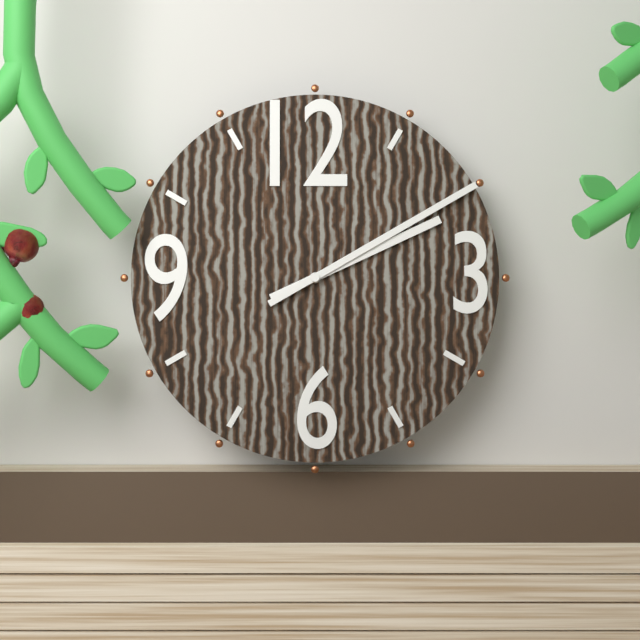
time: 2:10
